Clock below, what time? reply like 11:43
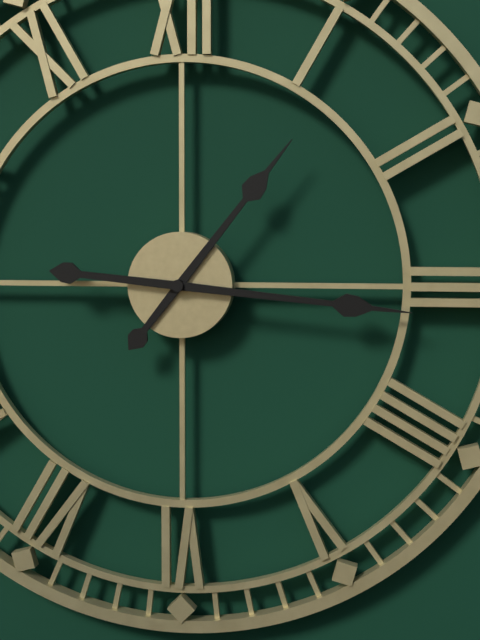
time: 1:16
